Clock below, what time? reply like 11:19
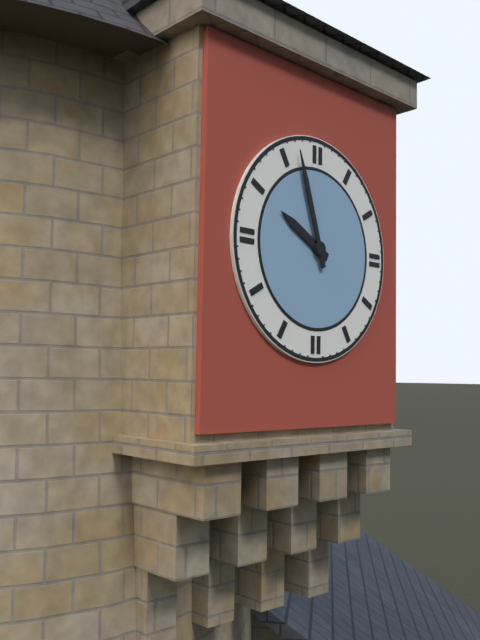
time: 9:57
